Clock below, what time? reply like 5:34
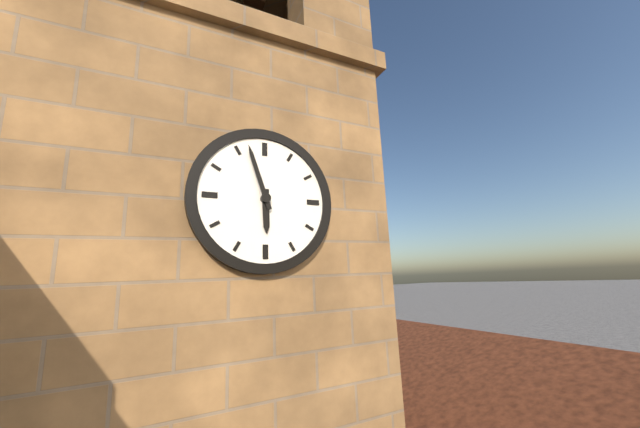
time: 5:57
